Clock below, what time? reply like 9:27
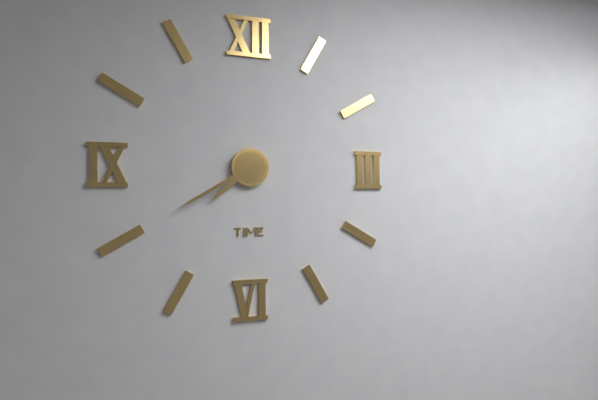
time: 7:40
